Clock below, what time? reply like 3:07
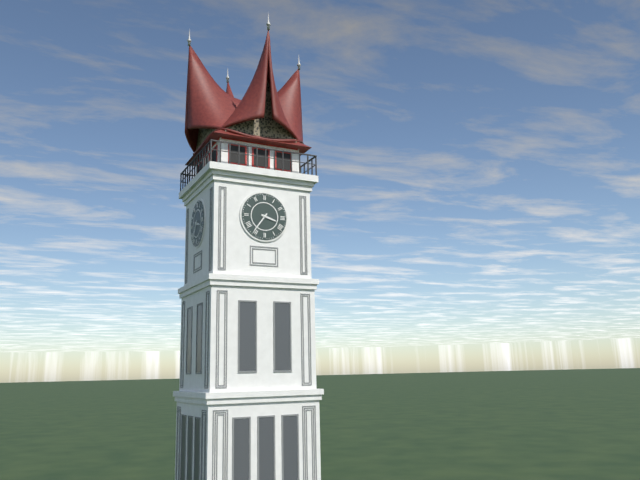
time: 3:36
